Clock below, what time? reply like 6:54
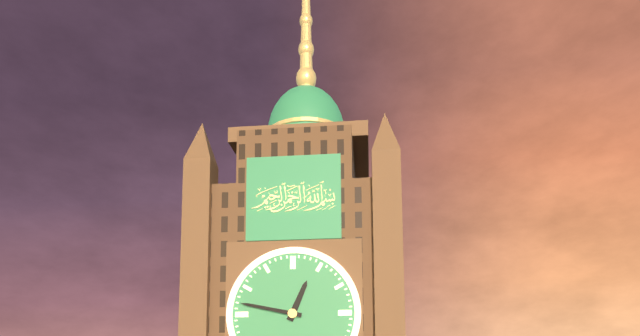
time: 12:47
